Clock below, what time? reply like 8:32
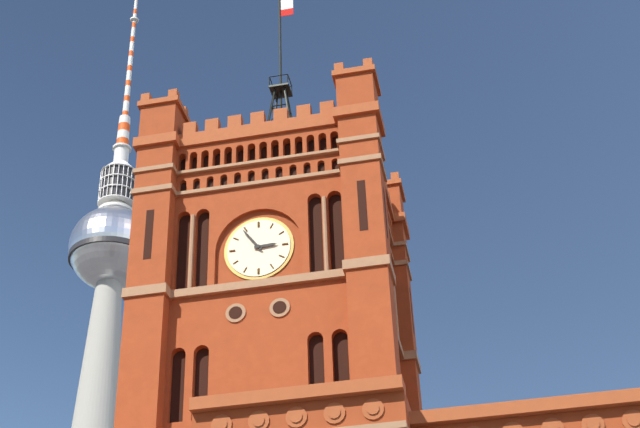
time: 2:54
